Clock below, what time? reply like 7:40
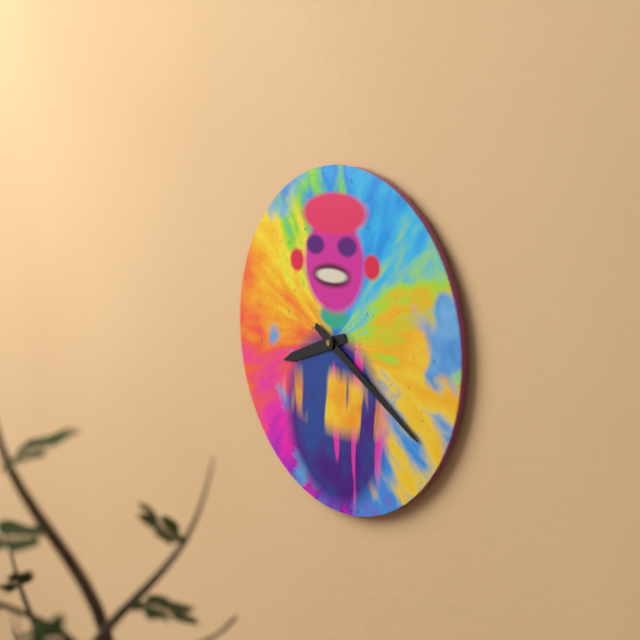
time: 8:20
